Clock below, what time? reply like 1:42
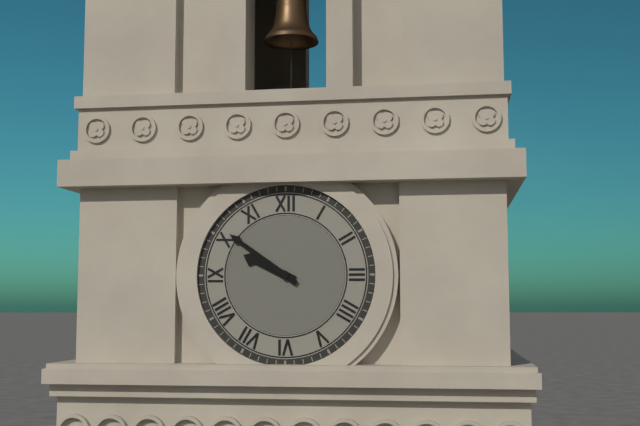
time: 9:51
